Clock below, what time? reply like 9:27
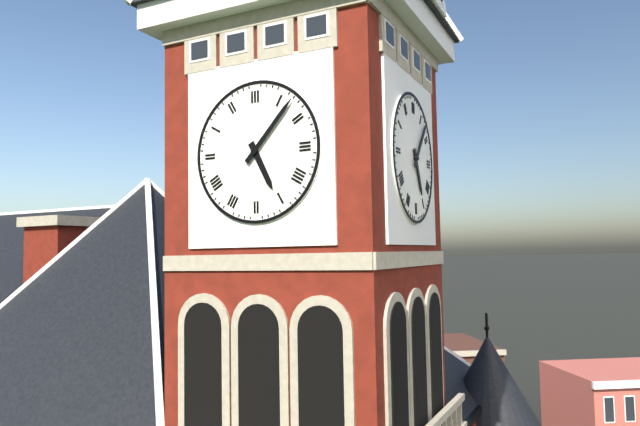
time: 5:07
